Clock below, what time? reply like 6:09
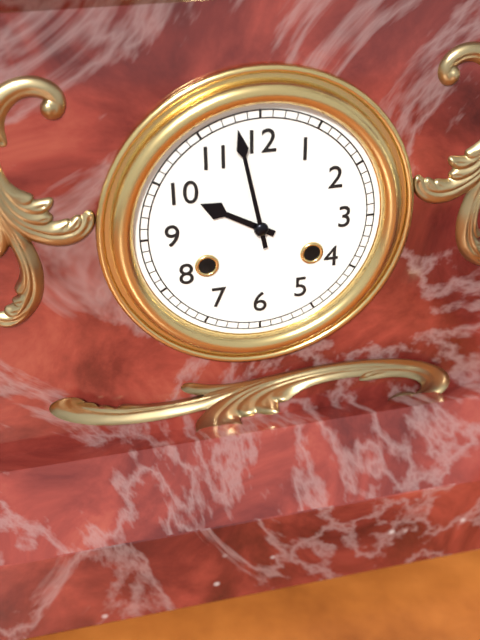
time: 9:58
